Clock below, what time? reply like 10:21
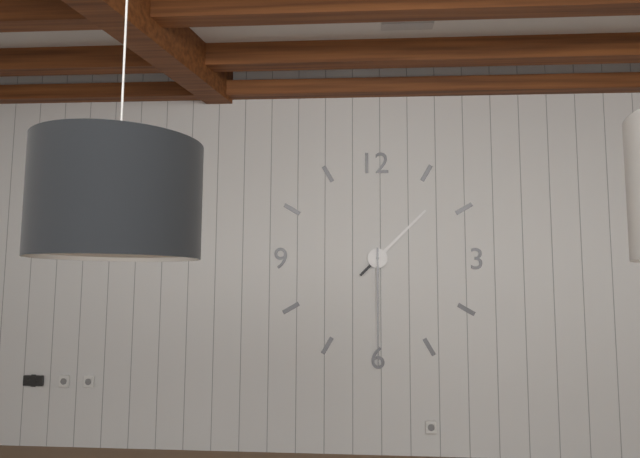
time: 1:30
